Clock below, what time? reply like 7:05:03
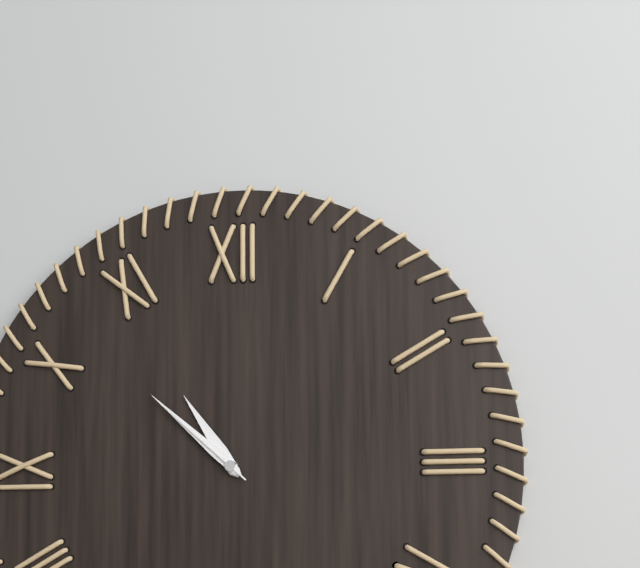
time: 10:52:52
